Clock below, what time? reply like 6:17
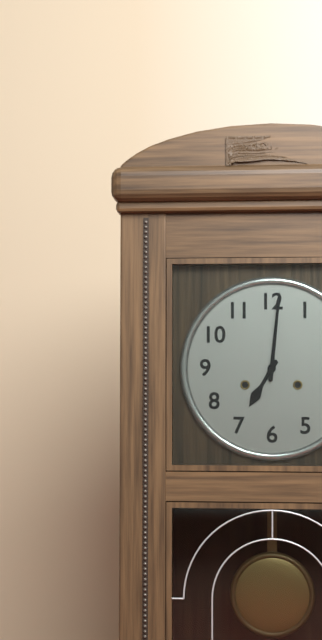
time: 7:01
